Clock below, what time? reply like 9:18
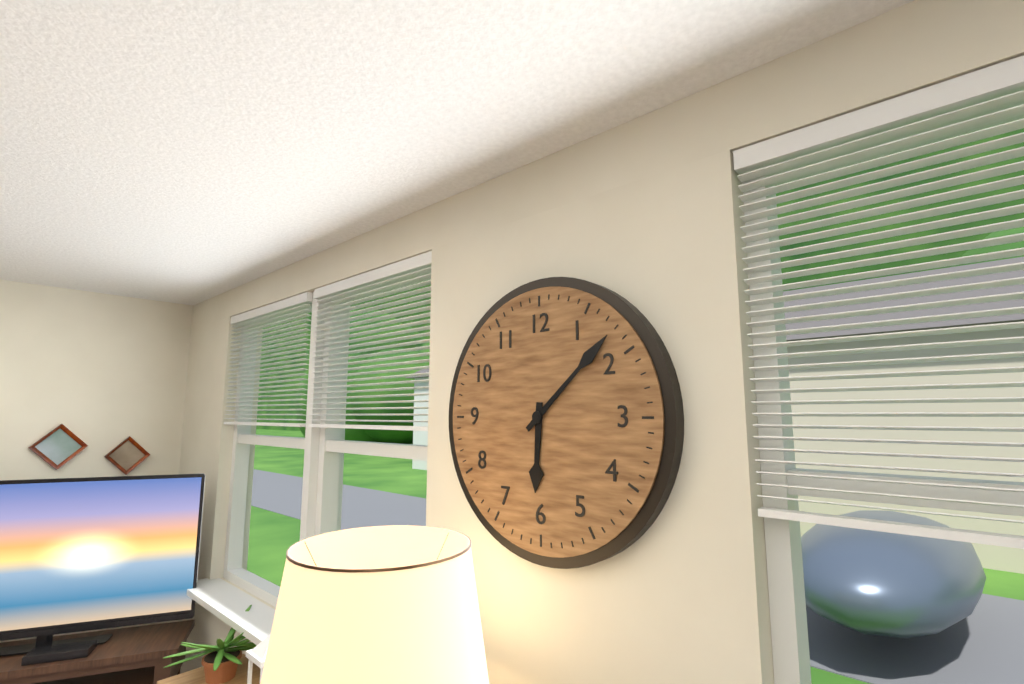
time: 6:08
